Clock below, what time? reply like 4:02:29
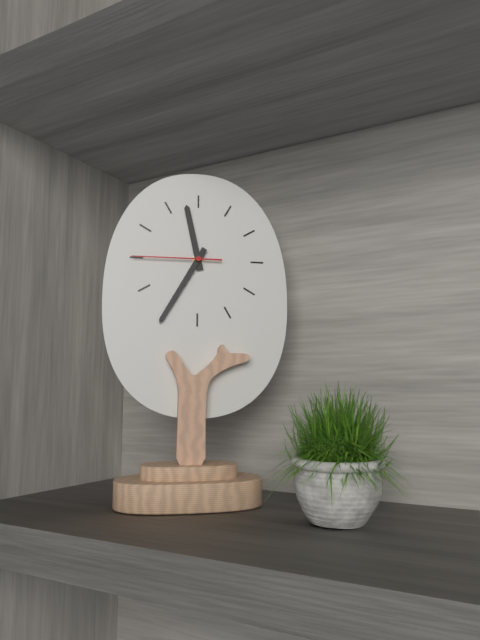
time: 11:35:45
